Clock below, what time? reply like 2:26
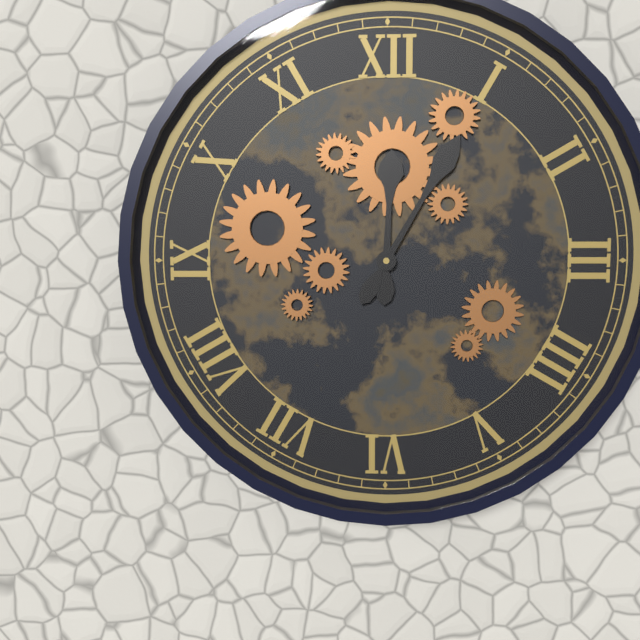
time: 12:05
